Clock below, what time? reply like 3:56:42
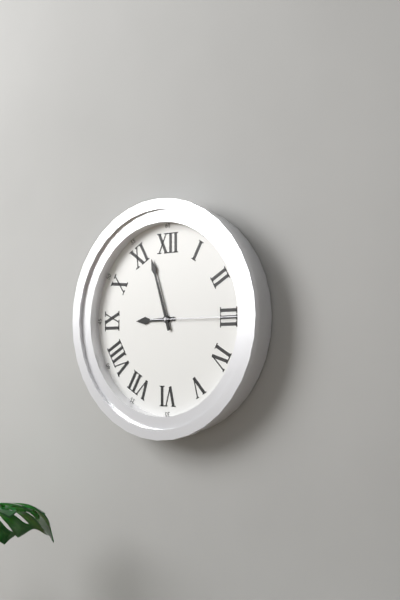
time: 8:57:15
